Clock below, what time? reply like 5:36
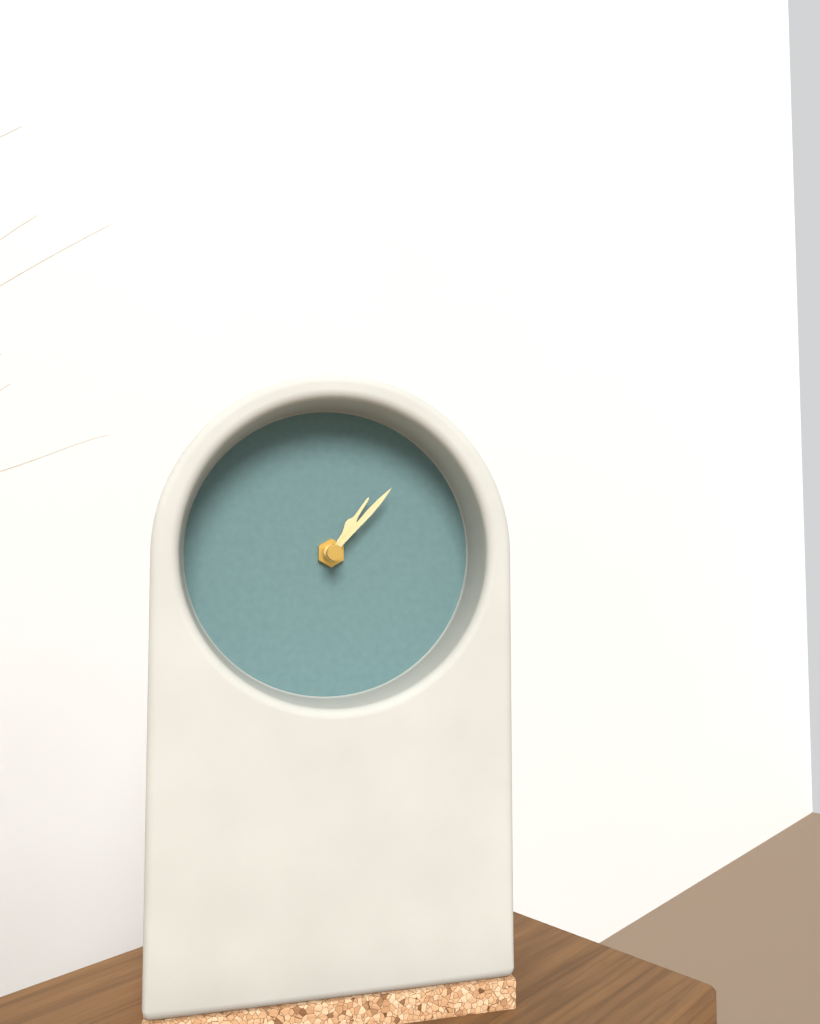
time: 1:07
